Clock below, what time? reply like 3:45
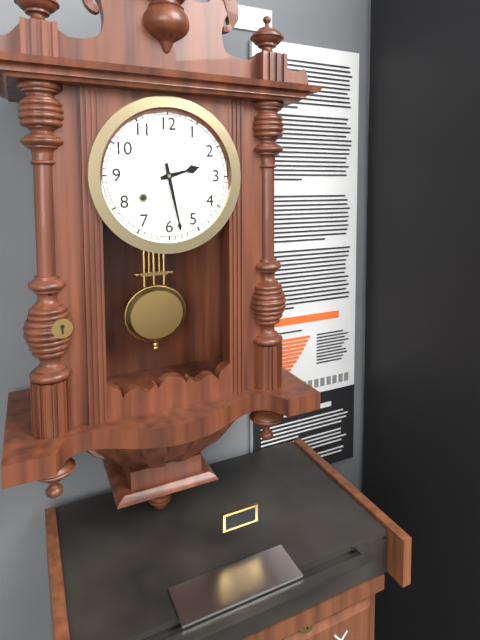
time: 2:28
